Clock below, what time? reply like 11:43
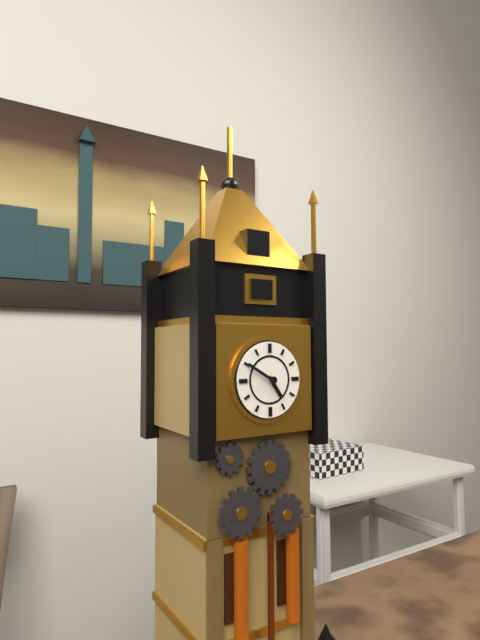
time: 4:50
